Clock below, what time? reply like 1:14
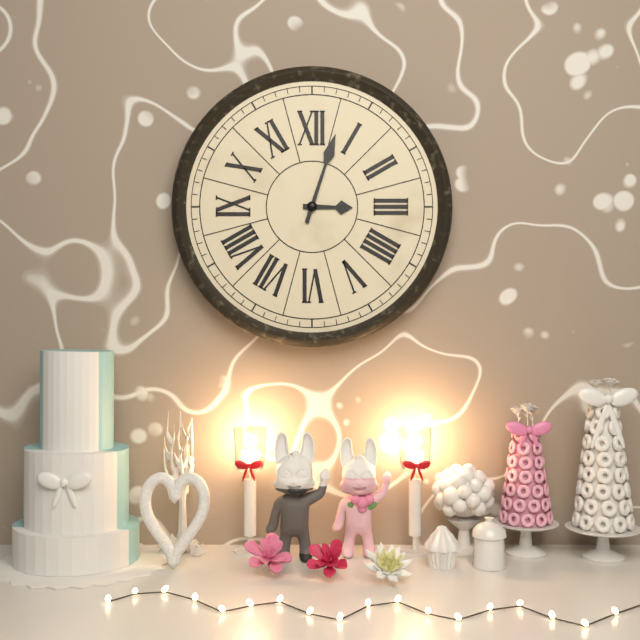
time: 3:03
